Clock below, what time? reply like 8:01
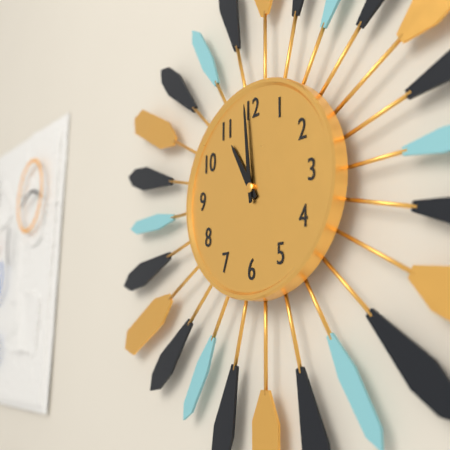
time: 10:59
